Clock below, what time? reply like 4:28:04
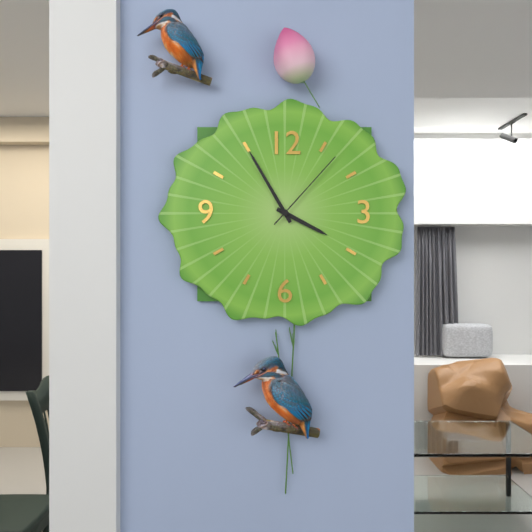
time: 3:55:07
